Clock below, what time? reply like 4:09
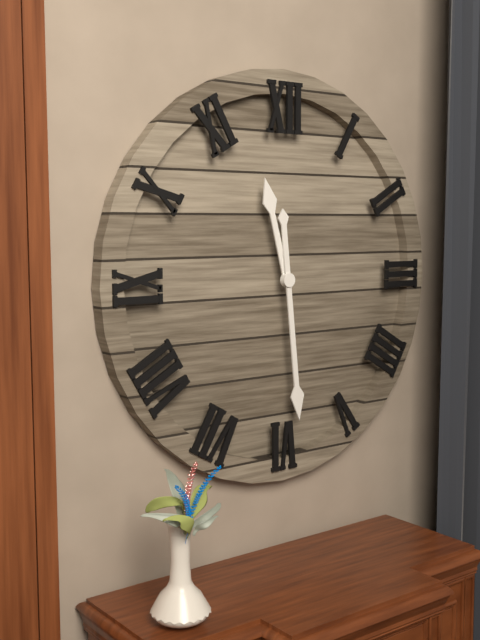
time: 11:29
